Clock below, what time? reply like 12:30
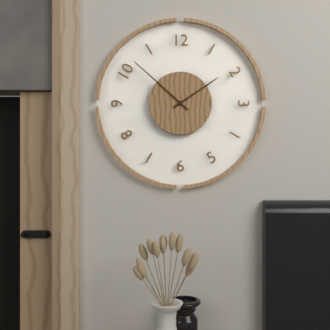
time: 1:52
